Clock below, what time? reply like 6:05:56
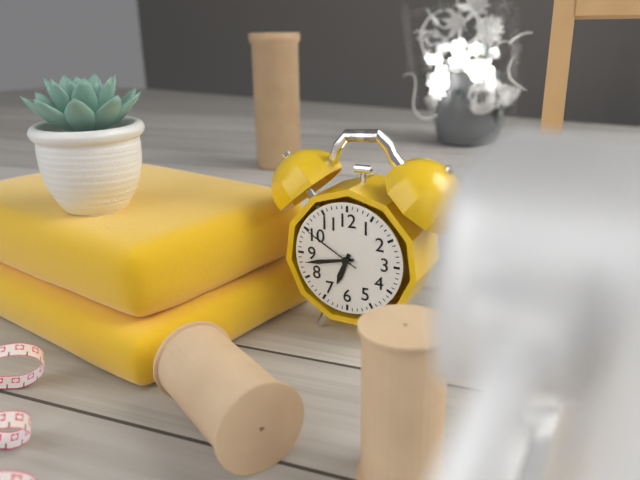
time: 6:43:50
